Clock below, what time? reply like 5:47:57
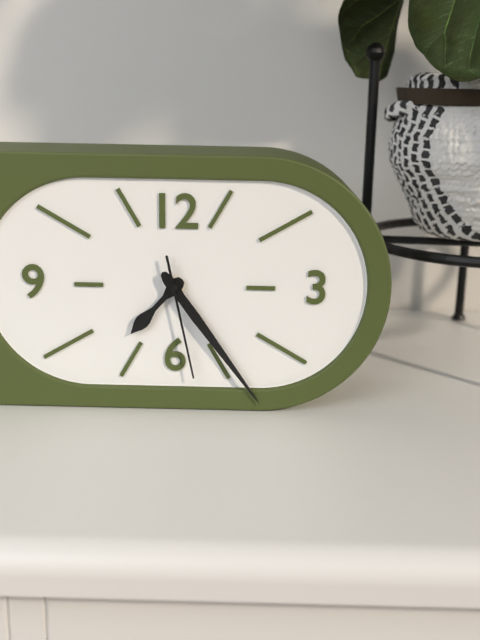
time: 7:24:28
